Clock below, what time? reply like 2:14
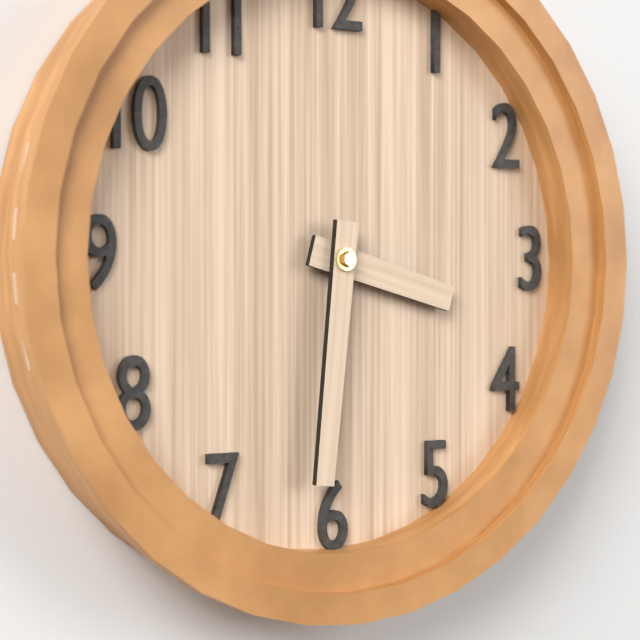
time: 3:31
